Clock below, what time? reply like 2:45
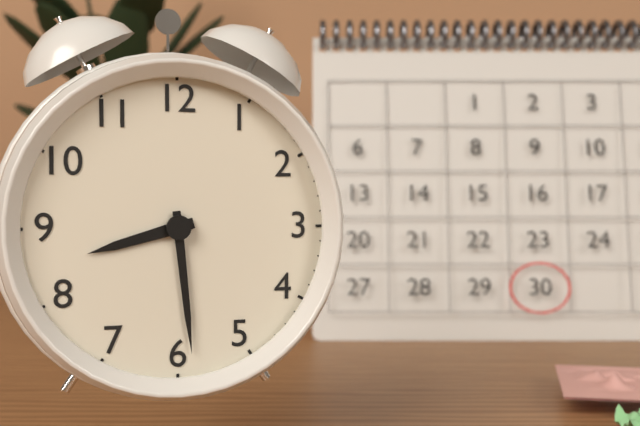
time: 8:29
